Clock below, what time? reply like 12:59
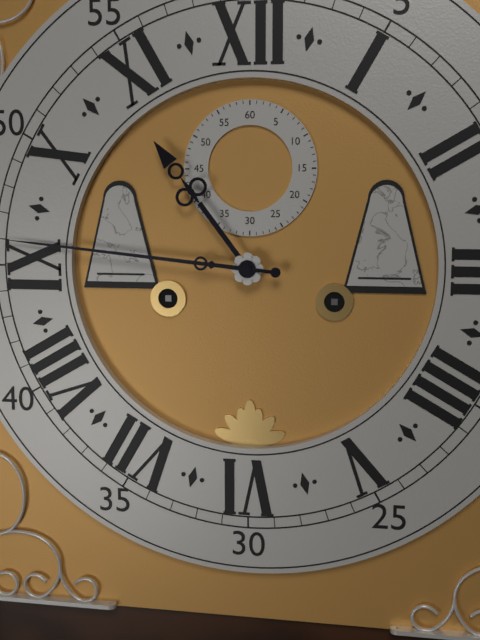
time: 10:46
